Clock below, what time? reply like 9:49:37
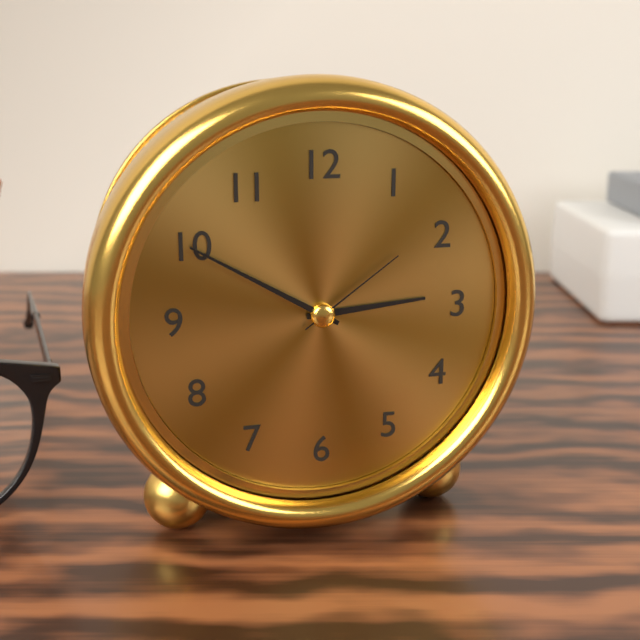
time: 2:50:09
